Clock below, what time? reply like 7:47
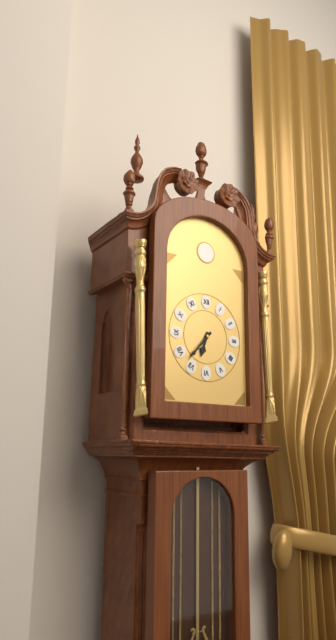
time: 6:37
